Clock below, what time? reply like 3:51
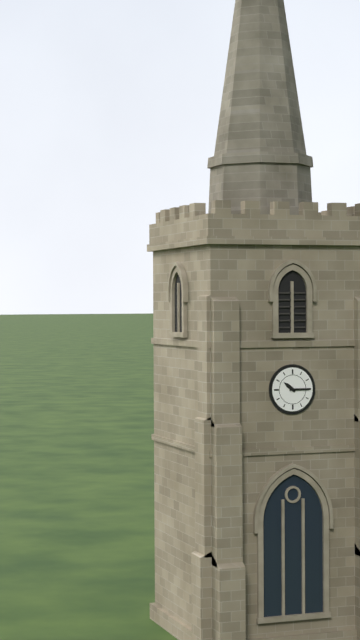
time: 10:15
